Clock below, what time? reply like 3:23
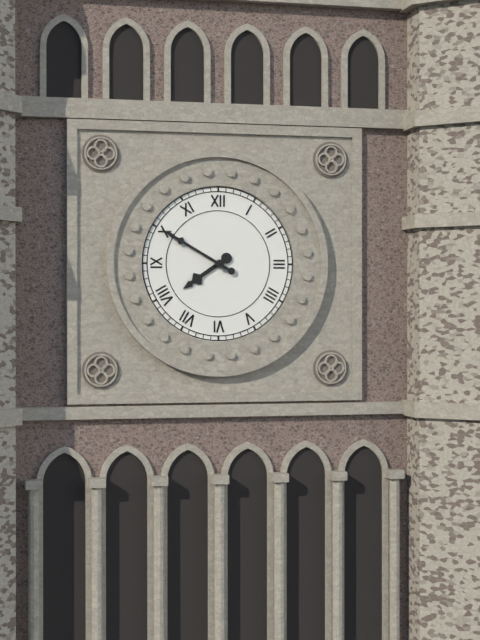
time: 7:50
